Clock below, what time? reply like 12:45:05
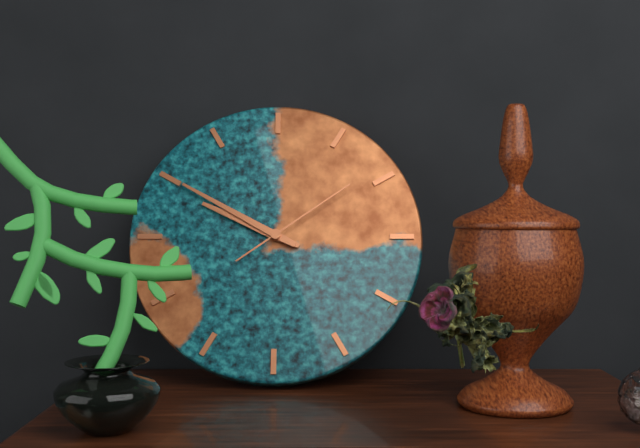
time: 9:50:09
